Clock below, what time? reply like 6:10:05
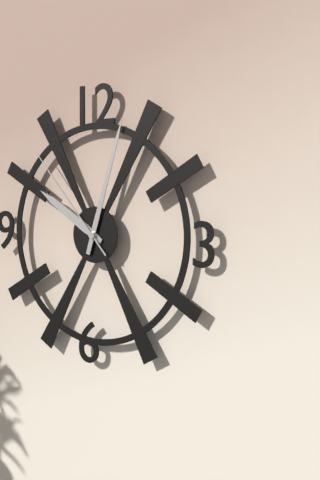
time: 10:03:53
